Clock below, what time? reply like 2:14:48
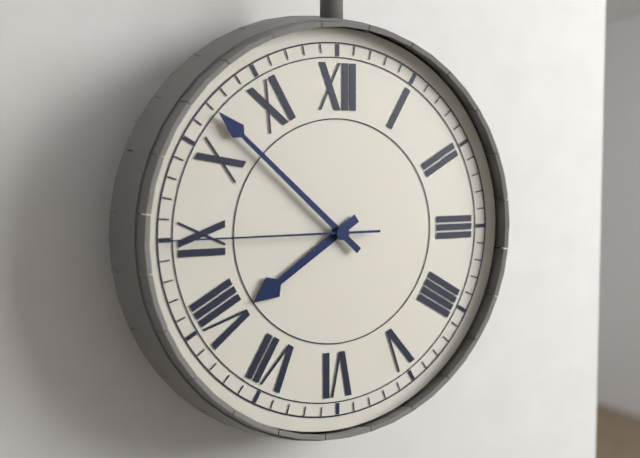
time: 7:52:45
